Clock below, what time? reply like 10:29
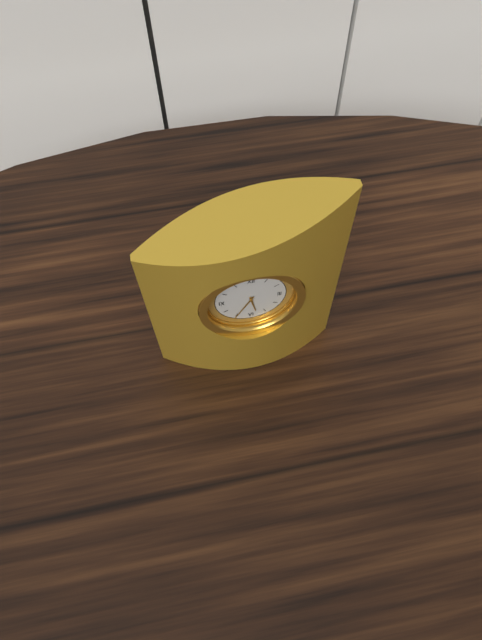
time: 5:35
